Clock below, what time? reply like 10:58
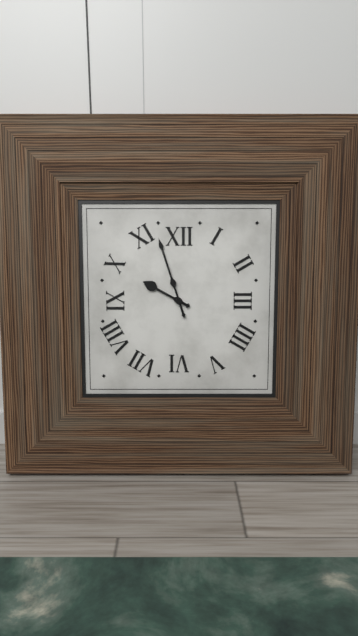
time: 9:57
